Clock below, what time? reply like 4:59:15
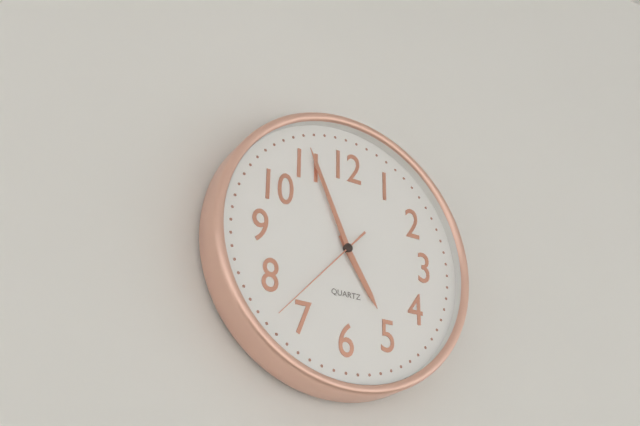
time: 4:56:37
